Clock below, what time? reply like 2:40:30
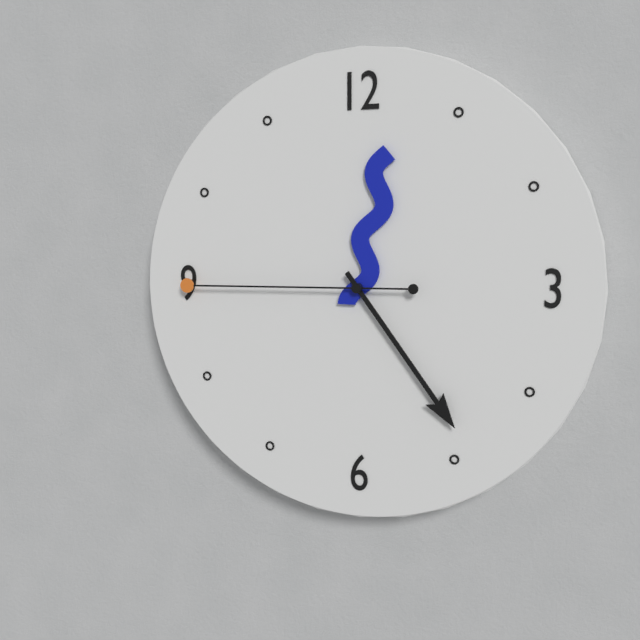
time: 12:24:45
